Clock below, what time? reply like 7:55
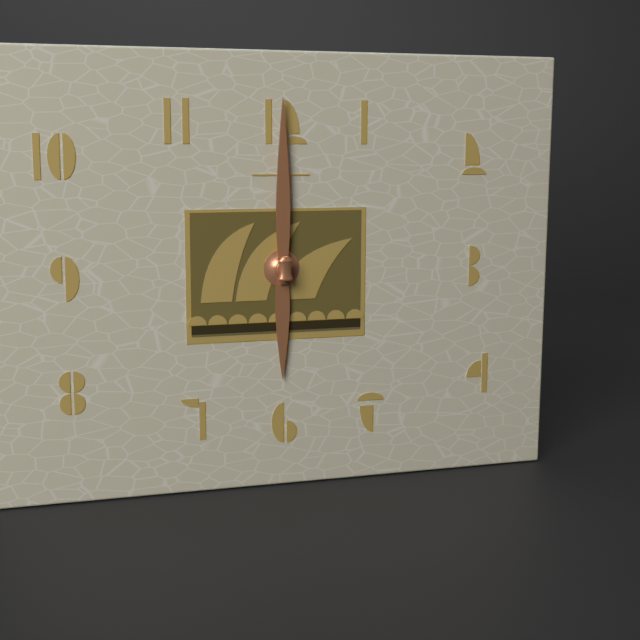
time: 6:00
